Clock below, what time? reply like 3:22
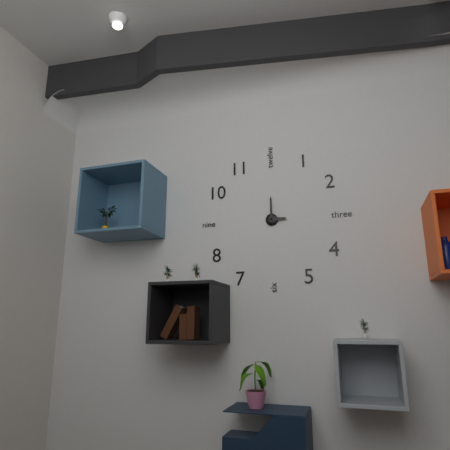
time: 3:00
